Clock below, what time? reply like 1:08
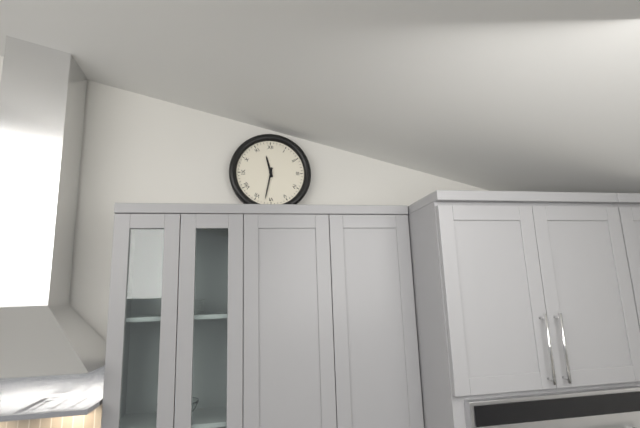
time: 11:32
